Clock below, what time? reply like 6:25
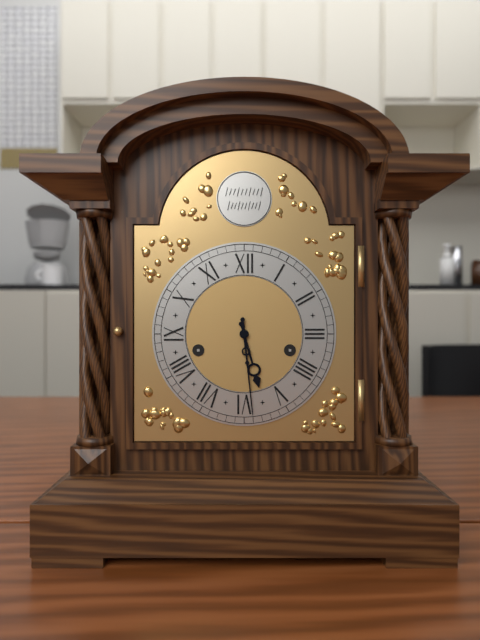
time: 5:29
